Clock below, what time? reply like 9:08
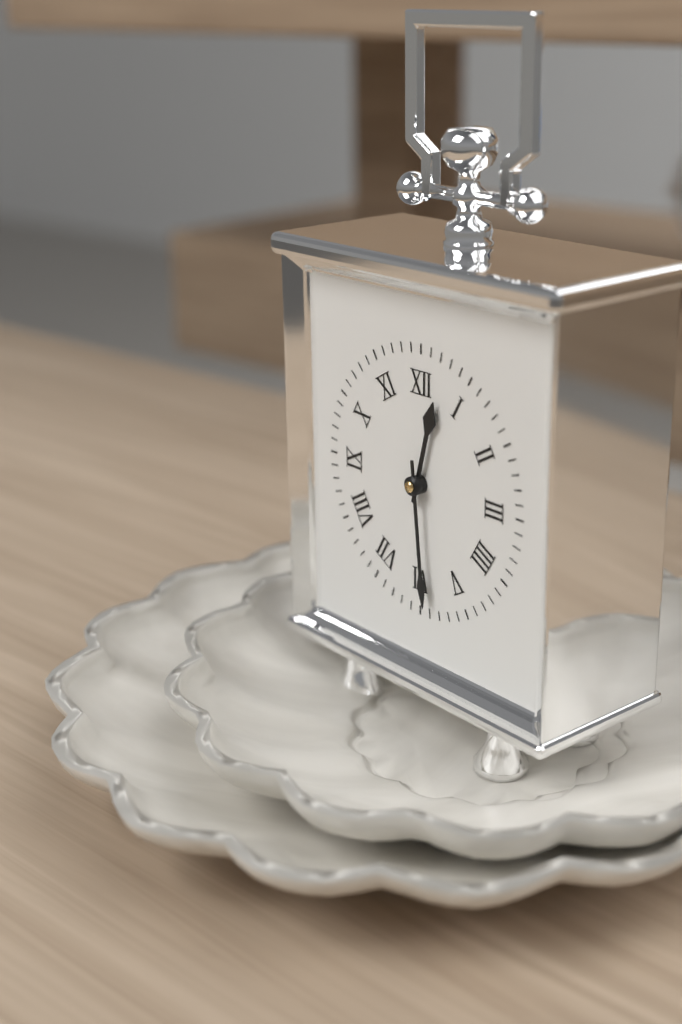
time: 12:29
